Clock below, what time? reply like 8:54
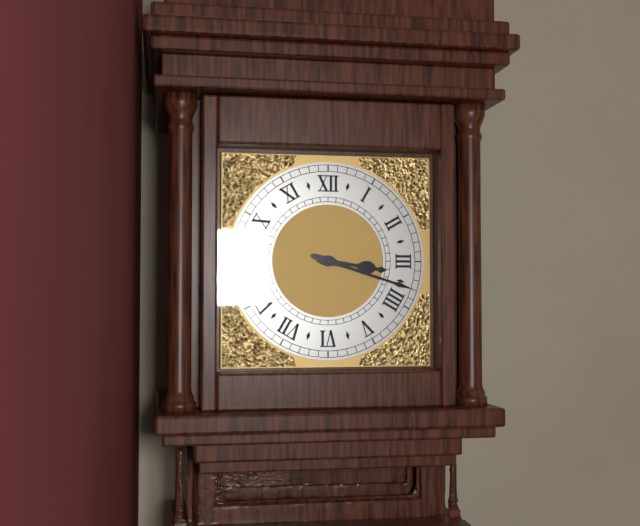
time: 3:18
